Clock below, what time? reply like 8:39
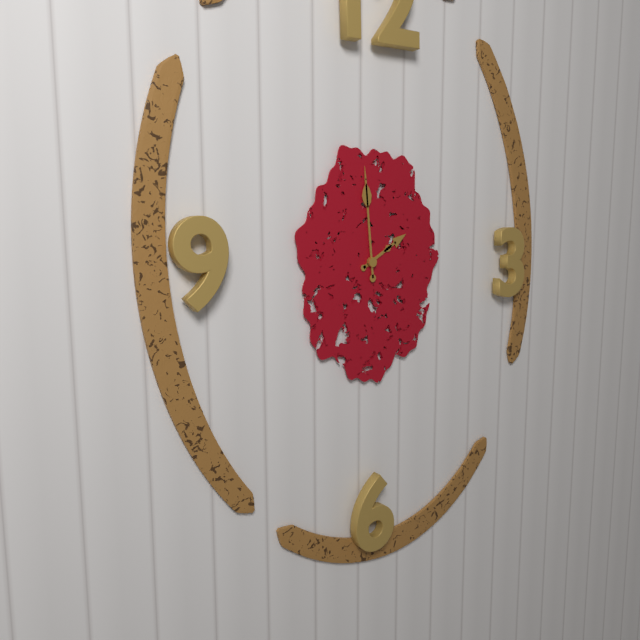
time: 1:59
